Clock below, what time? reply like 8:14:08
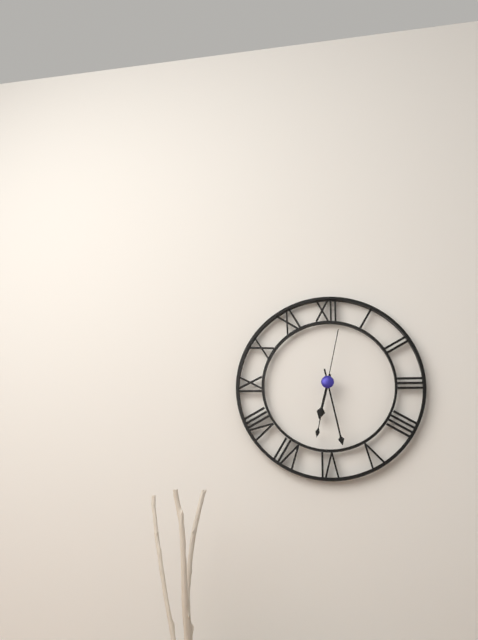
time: 6:28:02
